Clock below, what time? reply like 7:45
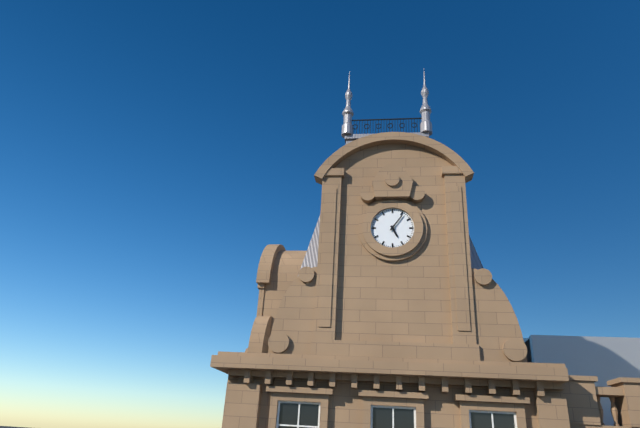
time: 5:06
